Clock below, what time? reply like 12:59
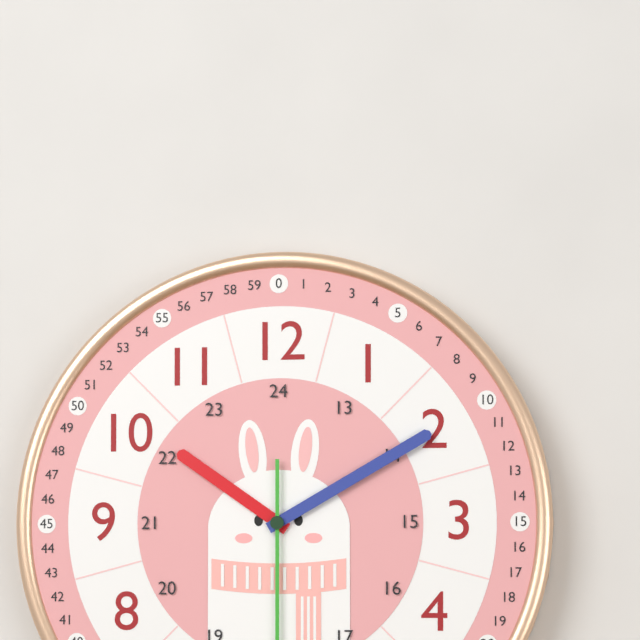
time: 10:10
